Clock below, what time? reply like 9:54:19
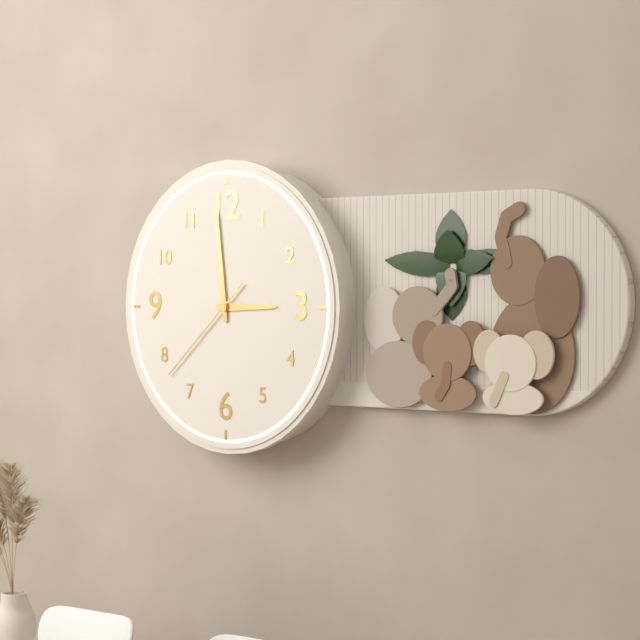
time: 2:59:38
